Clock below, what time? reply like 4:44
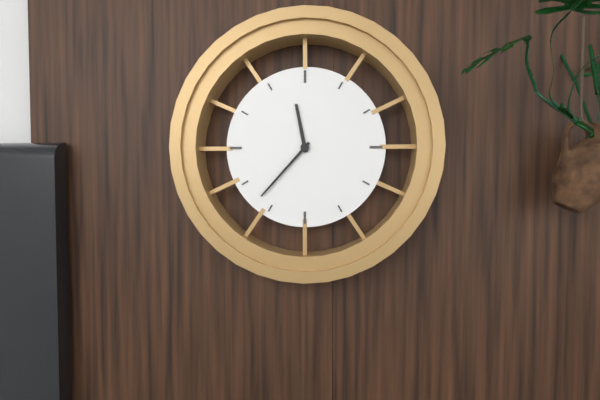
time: 11:37
